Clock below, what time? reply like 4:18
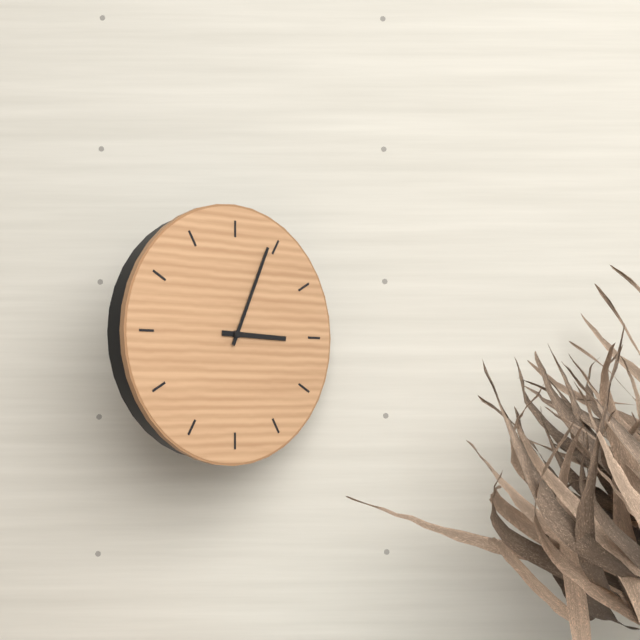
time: 3:04
